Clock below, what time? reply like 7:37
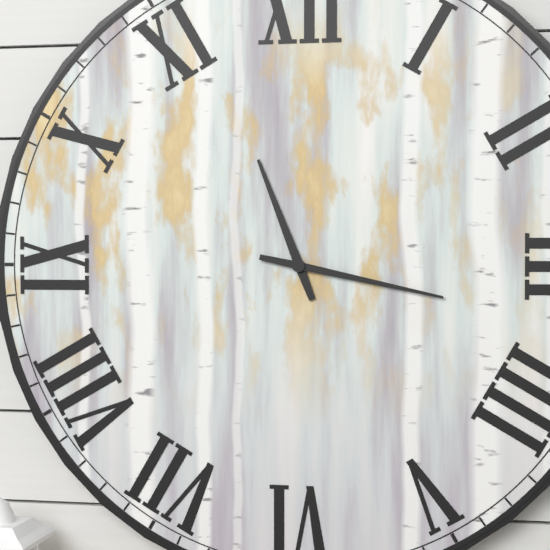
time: 11:17
